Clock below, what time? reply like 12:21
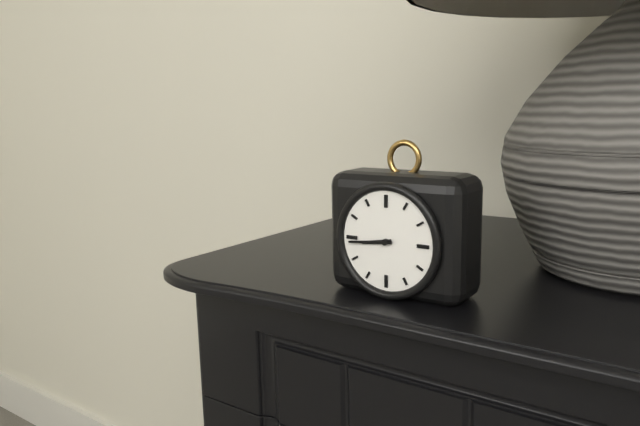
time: 8:44
